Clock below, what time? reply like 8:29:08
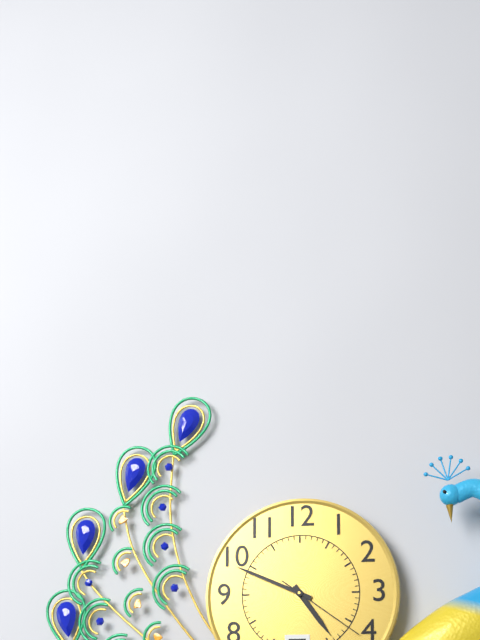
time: 4:49:21
